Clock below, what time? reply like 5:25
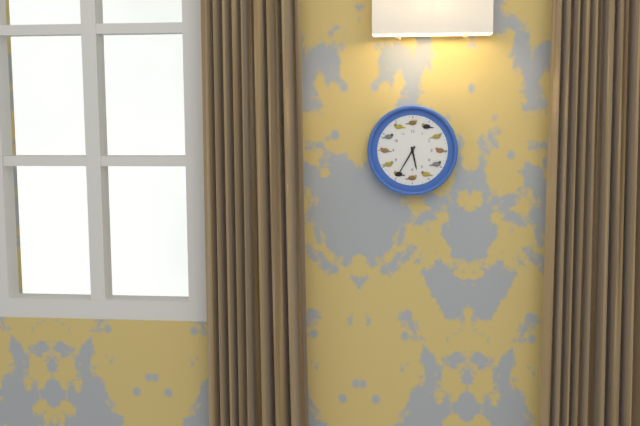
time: 5:35
